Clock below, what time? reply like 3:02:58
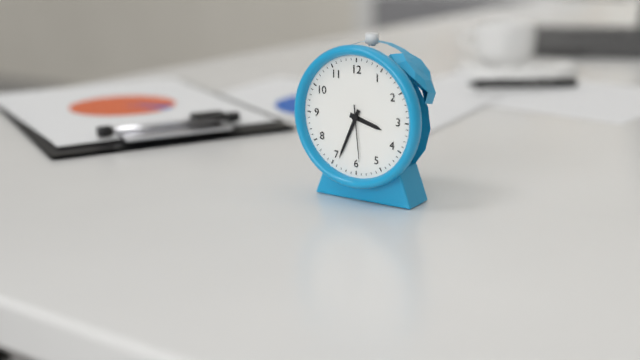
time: 3:34:29
